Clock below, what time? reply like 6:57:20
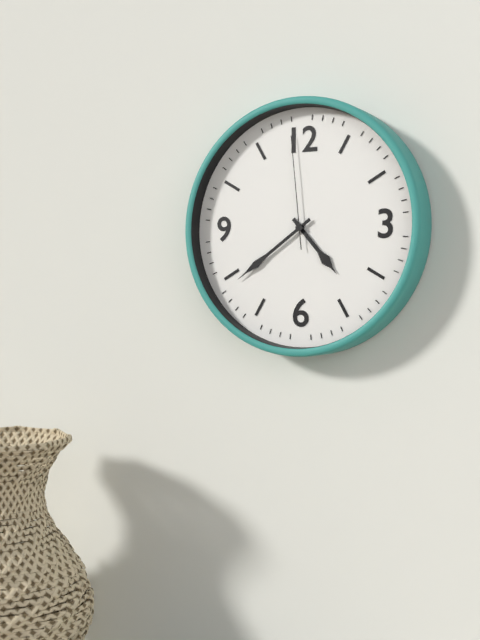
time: 4:39:59
